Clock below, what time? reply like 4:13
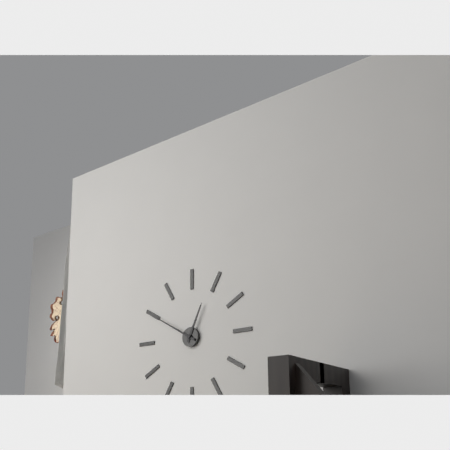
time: 12:50
